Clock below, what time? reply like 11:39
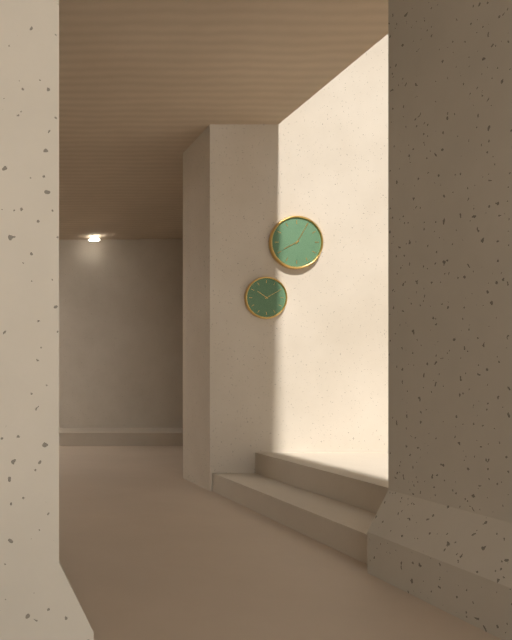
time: 8:05
